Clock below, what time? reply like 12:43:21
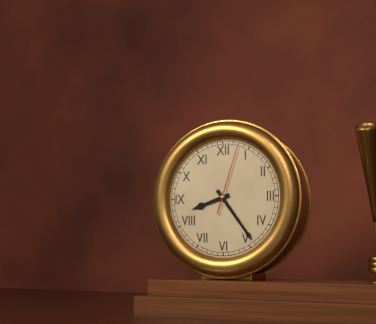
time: 8:24:03
